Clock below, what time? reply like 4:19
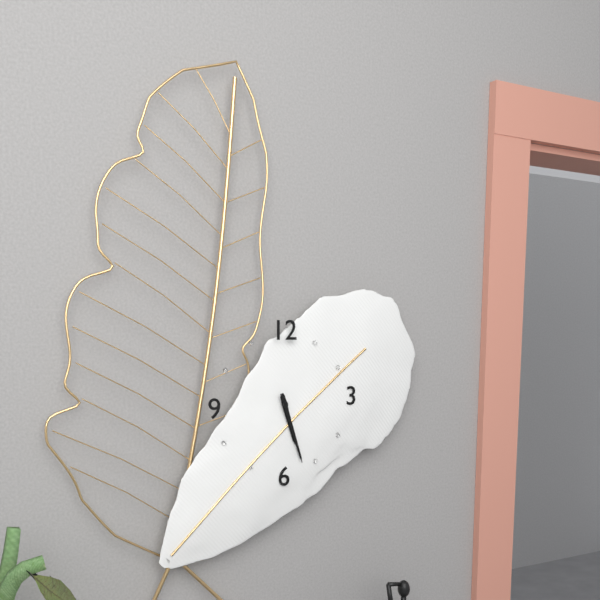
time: 5:27
